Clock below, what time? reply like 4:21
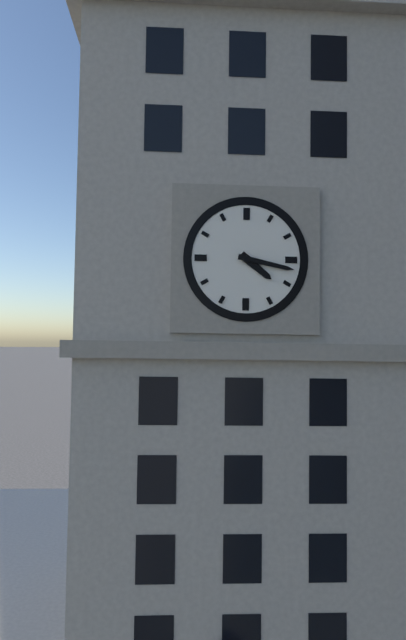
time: 4:17
